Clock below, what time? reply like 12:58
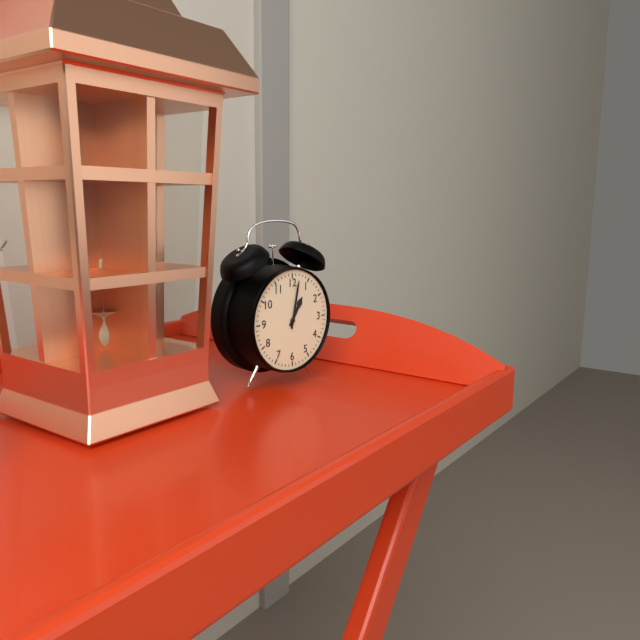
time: 1:02
